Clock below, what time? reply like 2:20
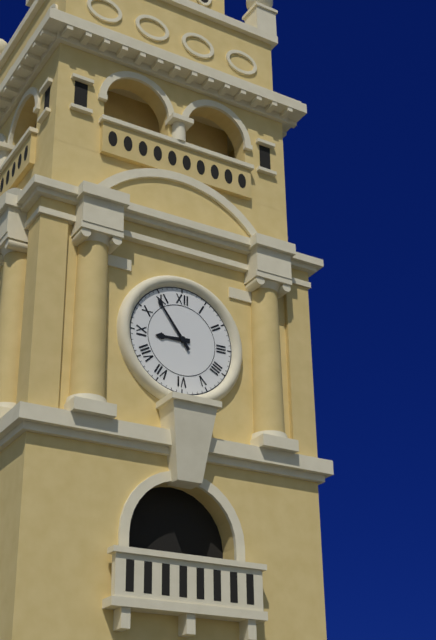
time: 8:54
